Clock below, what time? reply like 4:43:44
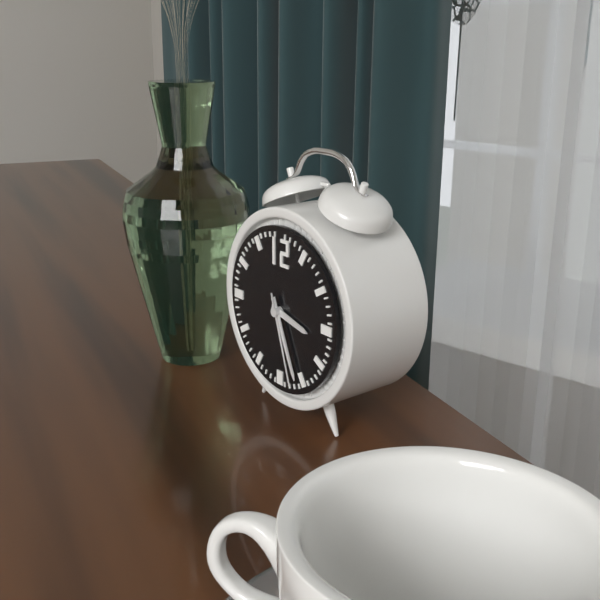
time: 3:26:27
